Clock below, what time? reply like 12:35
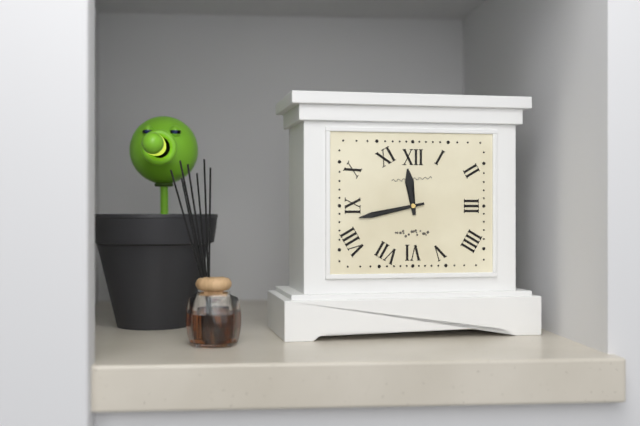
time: 11:43
